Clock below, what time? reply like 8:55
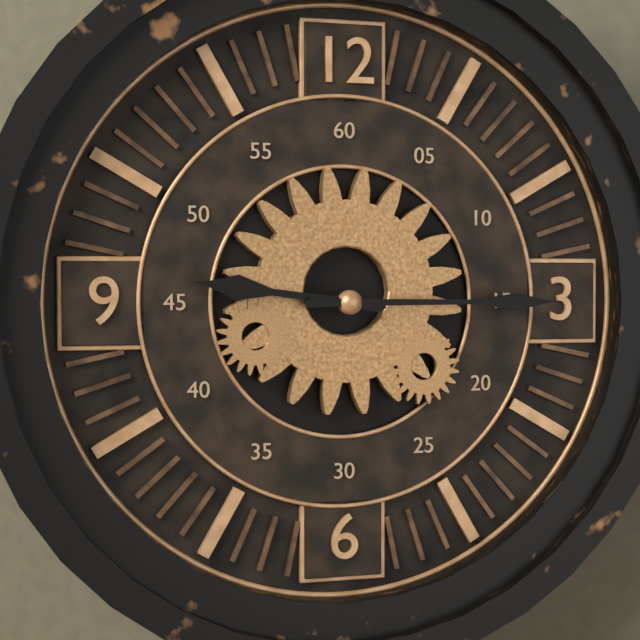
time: 9:15
